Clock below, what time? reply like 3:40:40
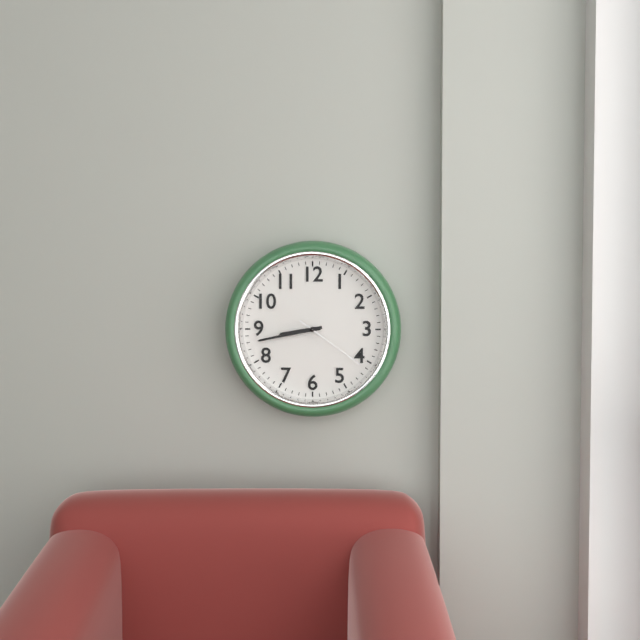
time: 8:43:21
